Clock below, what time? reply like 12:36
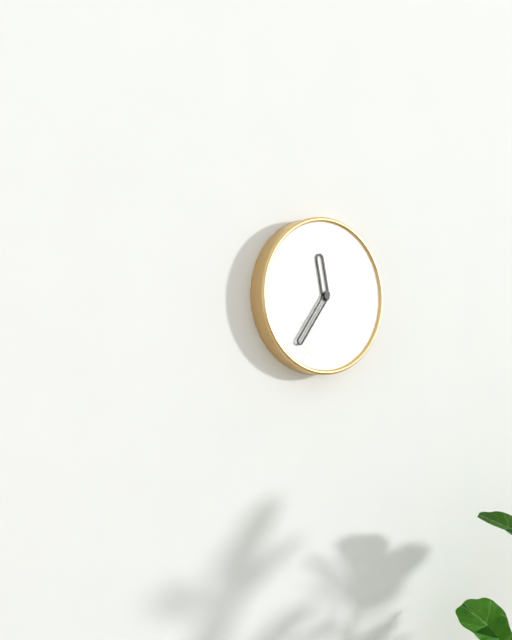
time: 11:36
